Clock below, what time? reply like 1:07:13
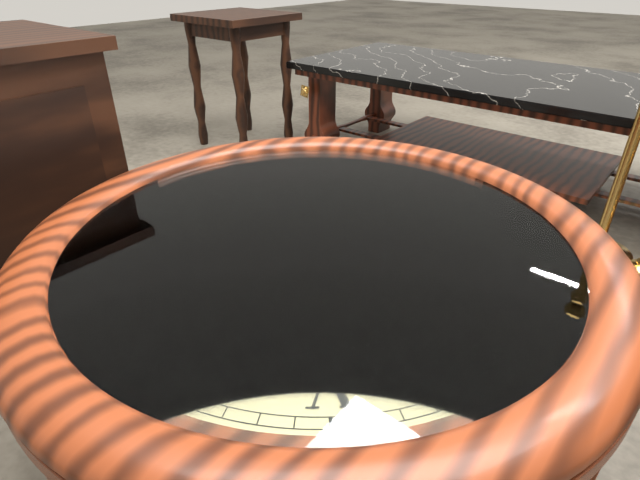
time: 12:58:33
